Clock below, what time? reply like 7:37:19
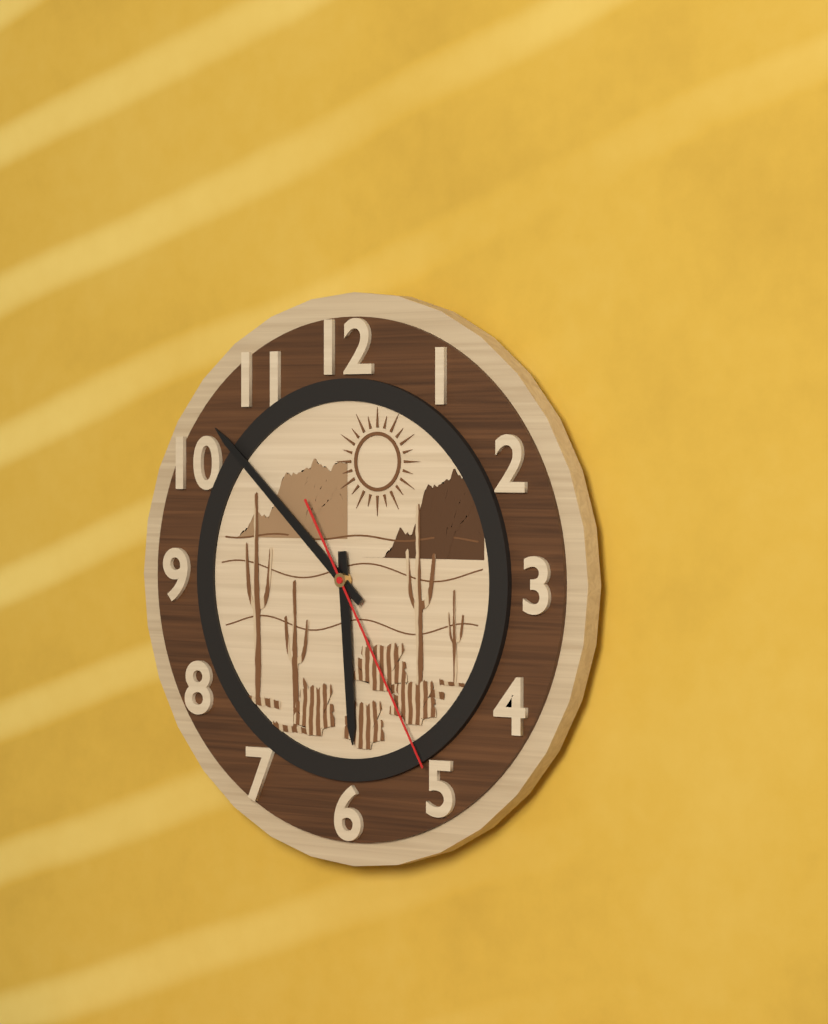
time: 5:52:25
